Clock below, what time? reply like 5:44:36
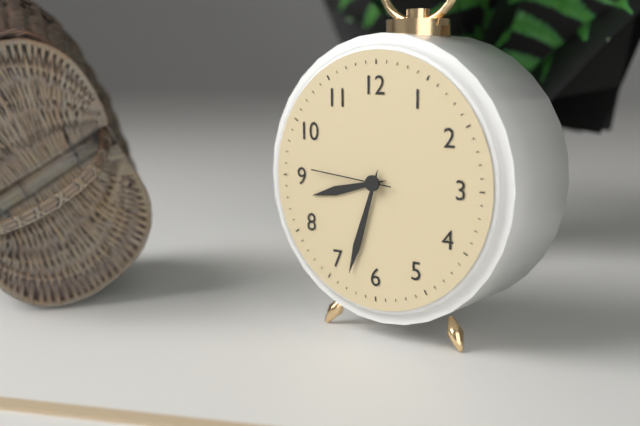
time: 8:33:46
